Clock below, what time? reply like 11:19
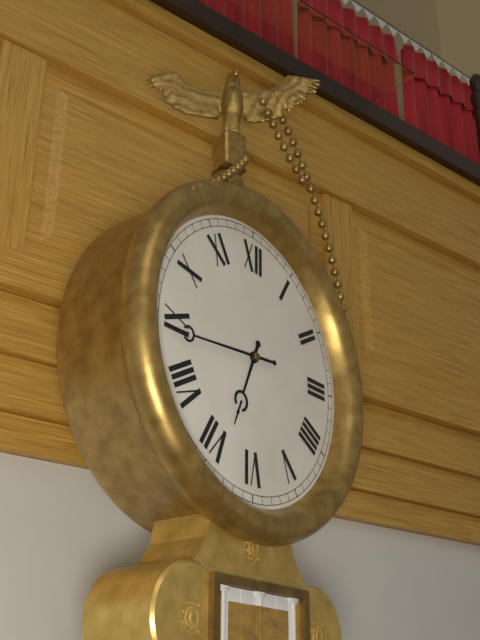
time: 6:44
